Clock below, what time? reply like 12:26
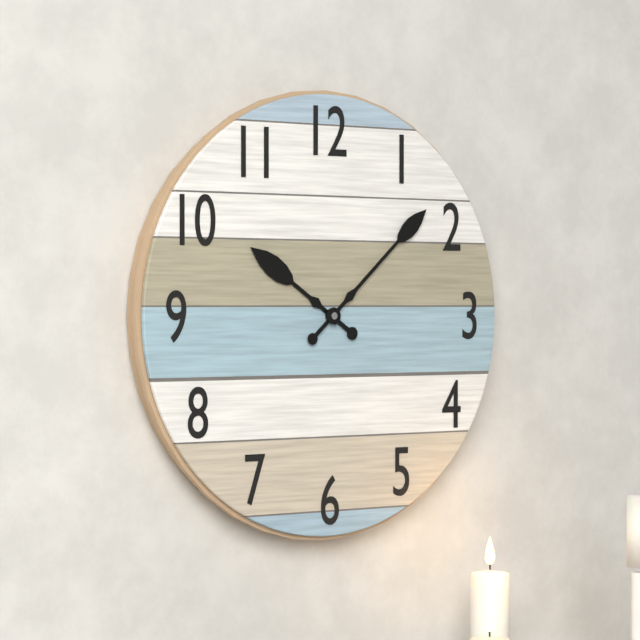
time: 10:08
